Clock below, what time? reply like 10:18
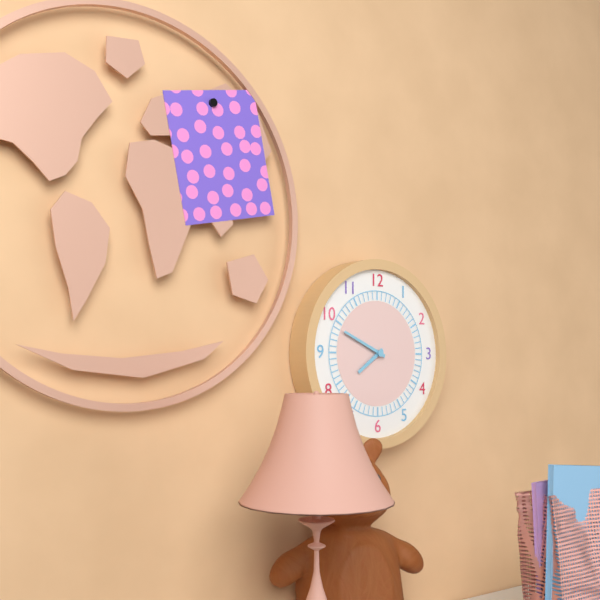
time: 7:49
